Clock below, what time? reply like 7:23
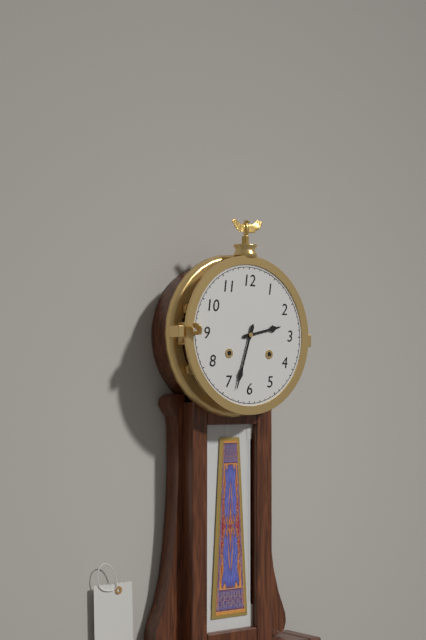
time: 2:33
